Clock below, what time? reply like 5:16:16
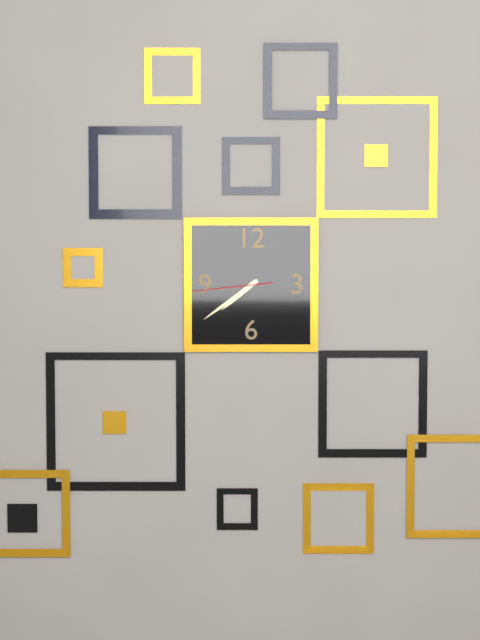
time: 7:39:44
